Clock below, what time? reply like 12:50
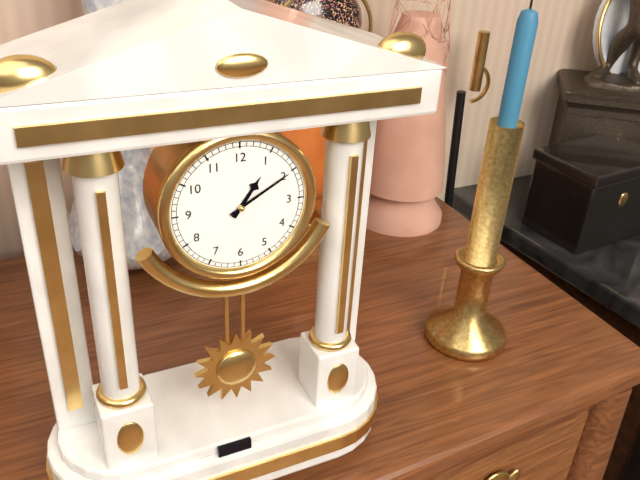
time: 1:10
